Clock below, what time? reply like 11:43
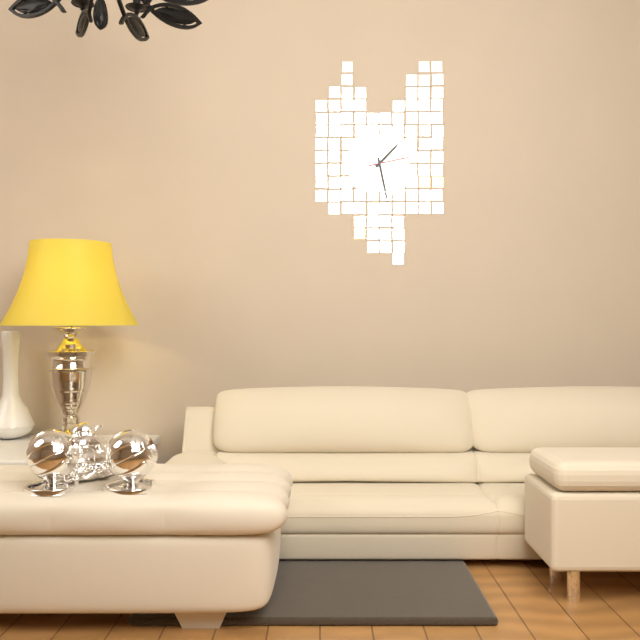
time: 1:28
